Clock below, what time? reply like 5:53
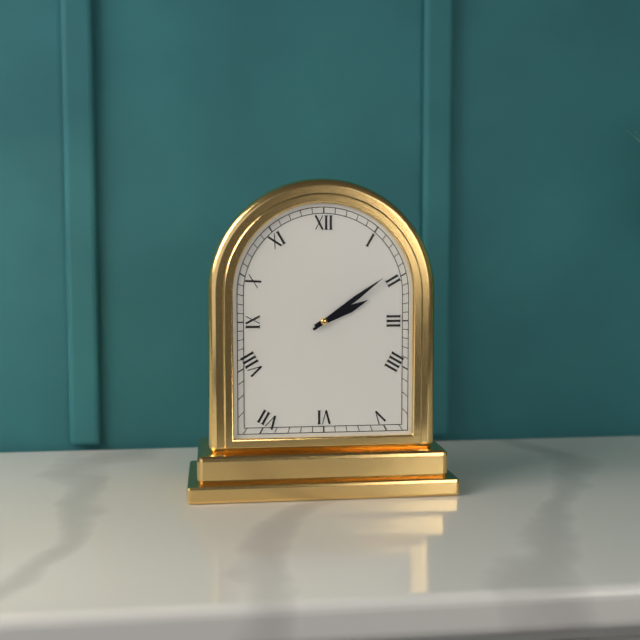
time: 2:09
